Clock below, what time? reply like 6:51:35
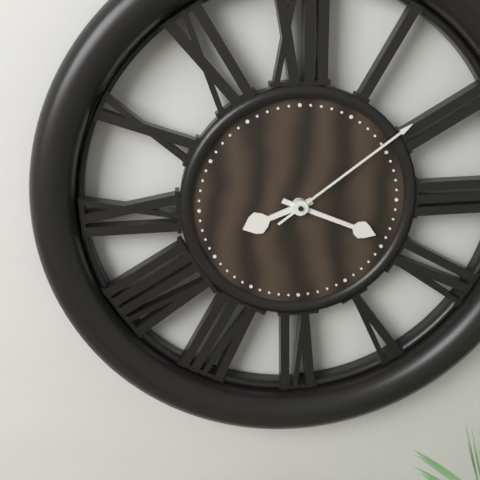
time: 8:19:09
